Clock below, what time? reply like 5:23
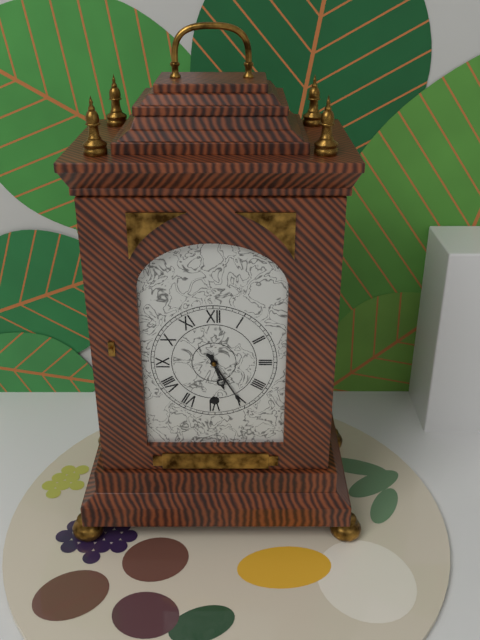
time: 5:25
